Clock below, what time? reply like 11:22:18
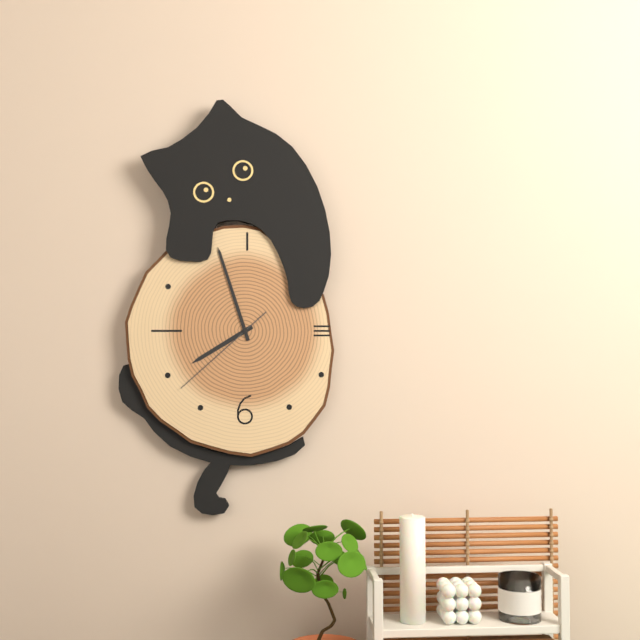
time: 7:57:38
